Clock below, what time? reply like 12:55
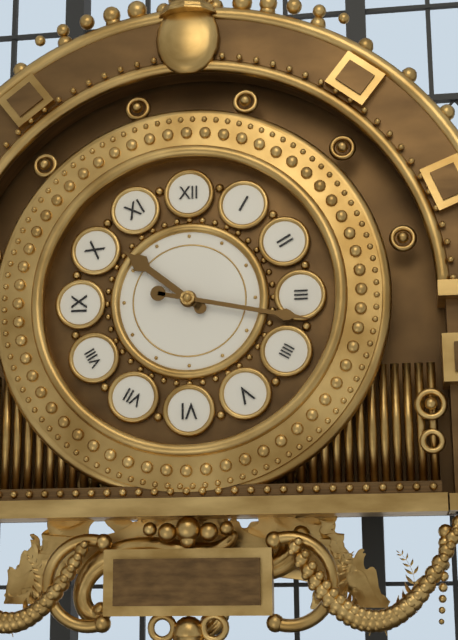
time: 10:17
